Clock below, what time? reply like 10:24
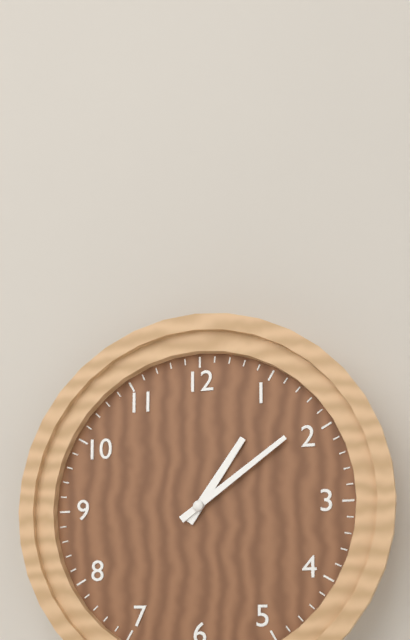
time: 1:09
